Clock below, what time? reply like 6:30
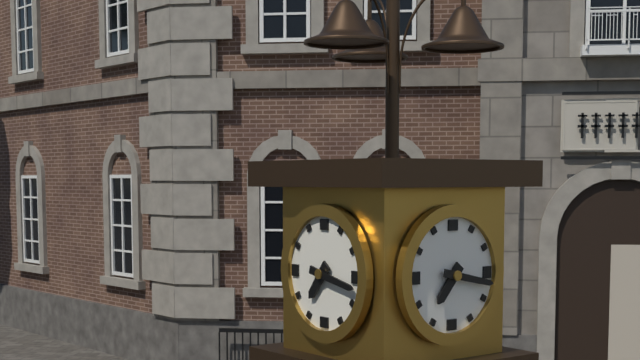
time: 7:17
